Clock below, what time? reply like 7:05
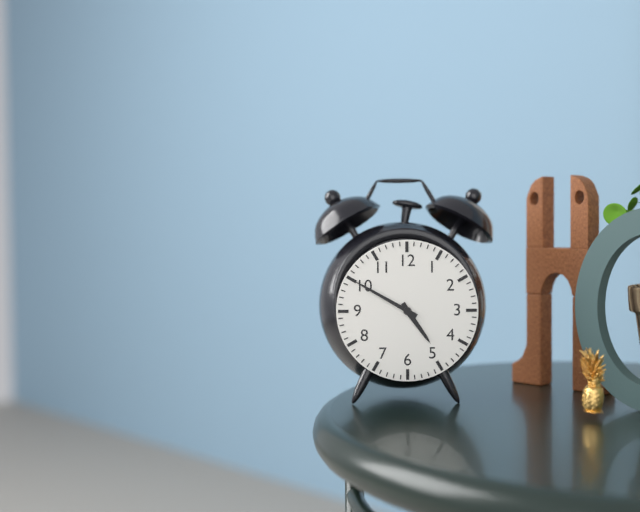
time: 4:50
